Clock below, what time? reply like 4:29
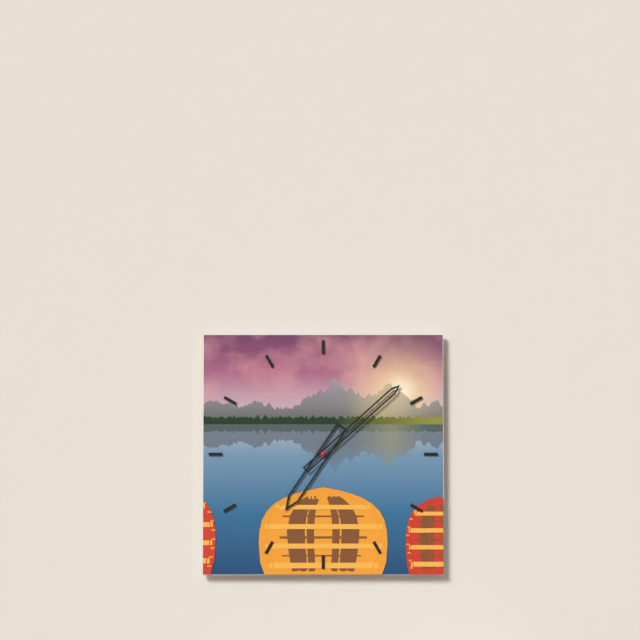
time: 7:08
